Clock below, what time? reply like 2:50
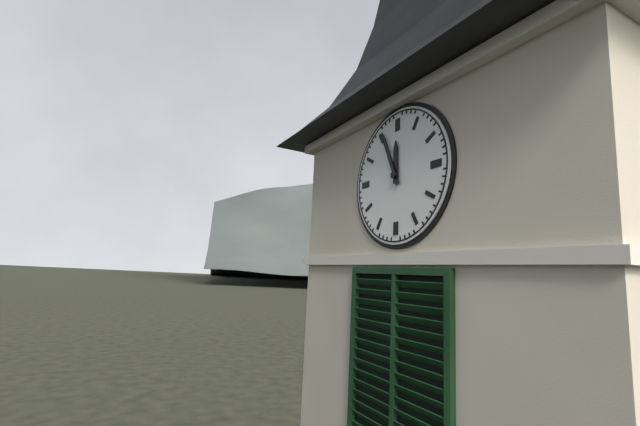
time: 11:56
